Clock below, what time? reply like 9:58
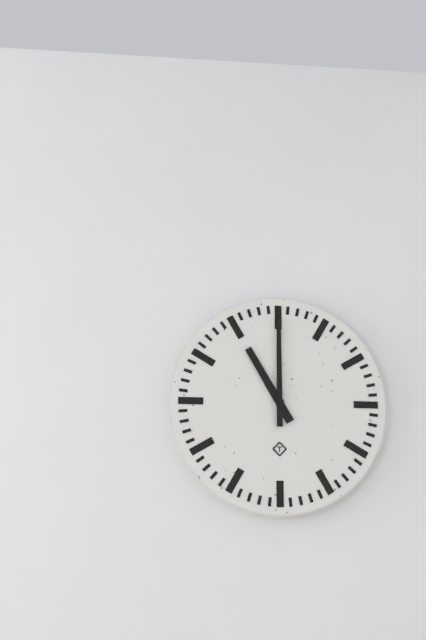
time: 11:00
